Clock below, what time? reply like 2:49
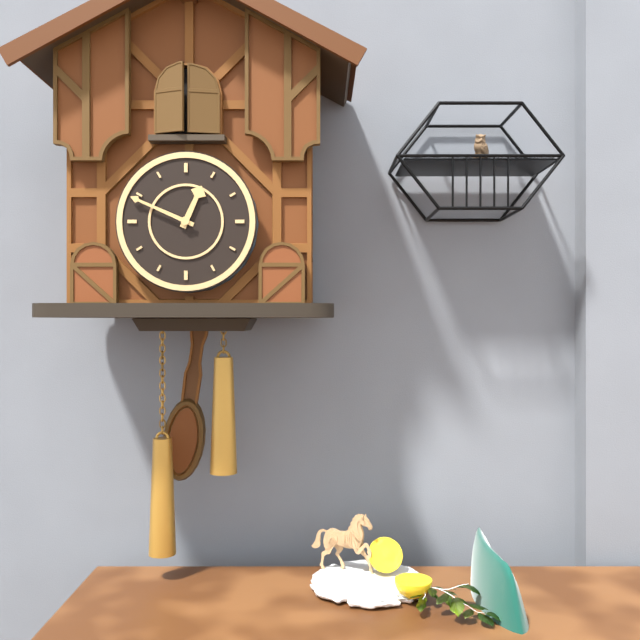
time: 12:49
